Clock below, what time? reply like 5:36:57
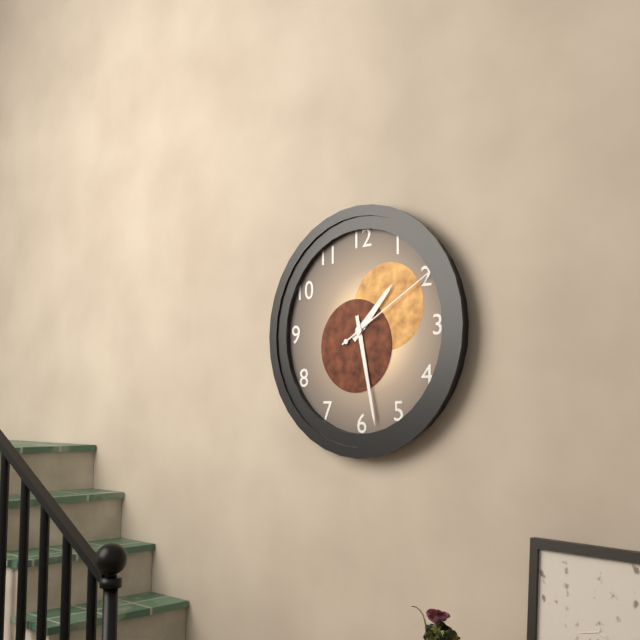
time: 1:28:10
